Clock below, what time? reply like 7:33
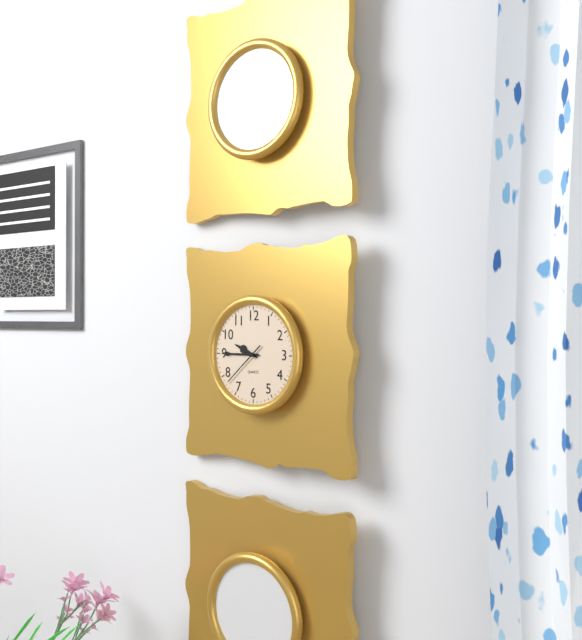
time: 9:45
